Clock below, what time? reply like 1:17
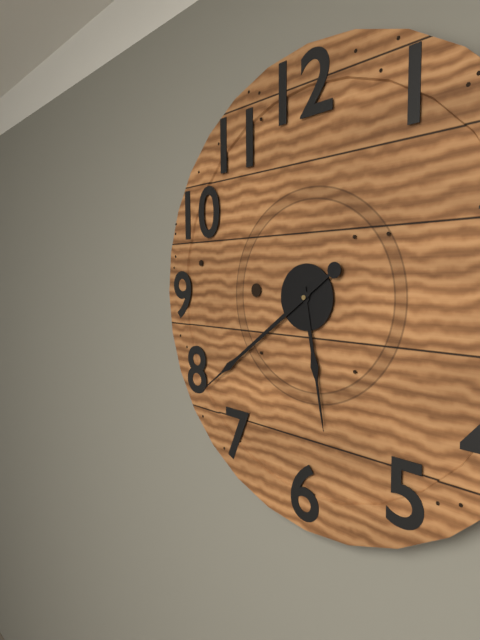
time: 5:39
